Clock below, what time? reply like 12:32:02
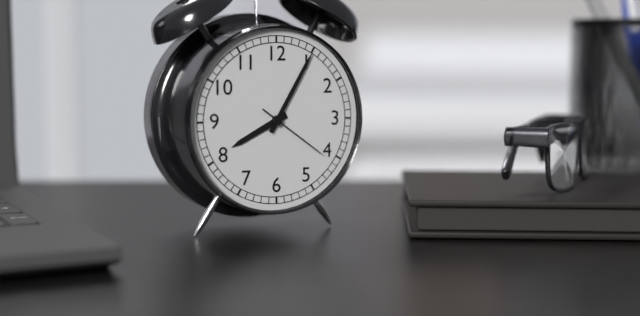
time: 8:05:21
